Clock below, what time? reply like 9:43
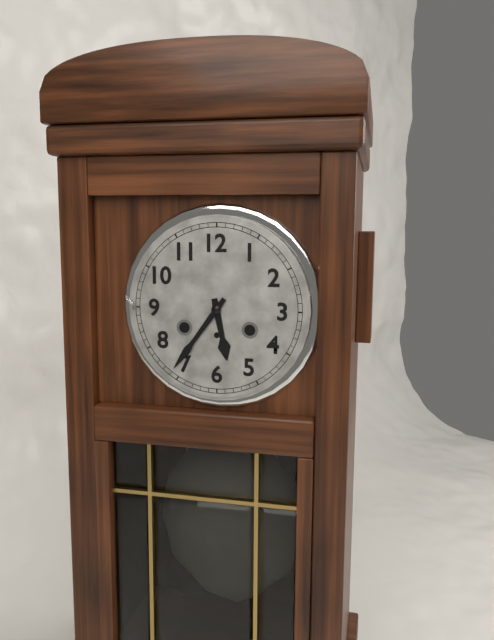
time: 5:36
